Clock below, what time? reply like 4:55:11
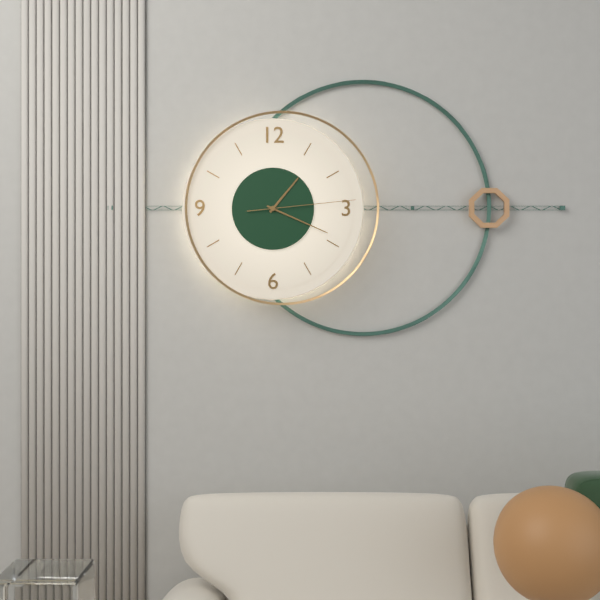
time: 1:19:14
